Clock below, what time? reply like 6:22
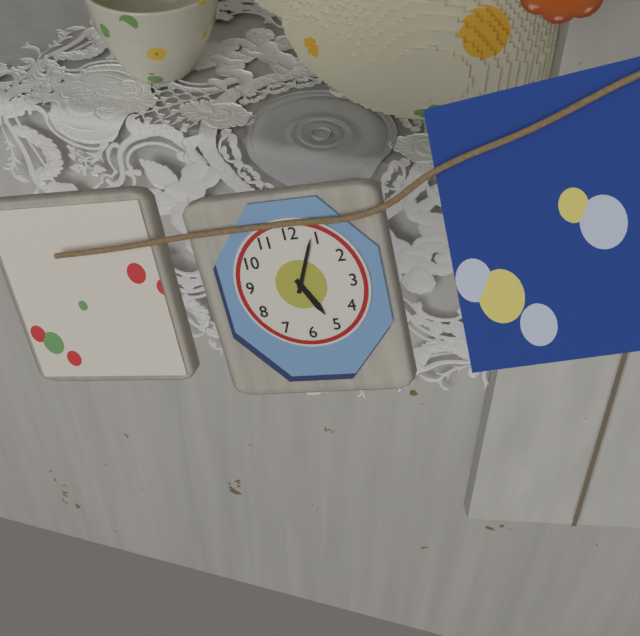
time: 5:04
